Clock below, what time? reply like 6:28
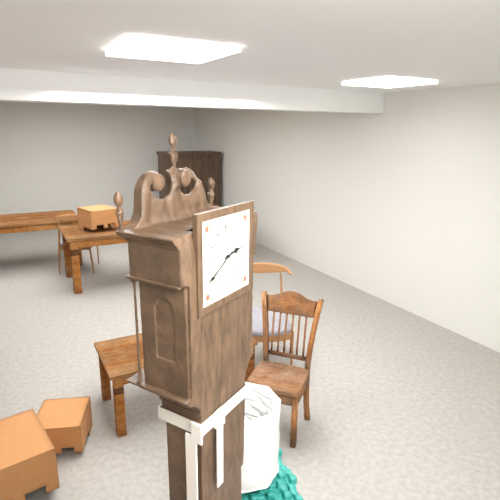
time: 2:40
